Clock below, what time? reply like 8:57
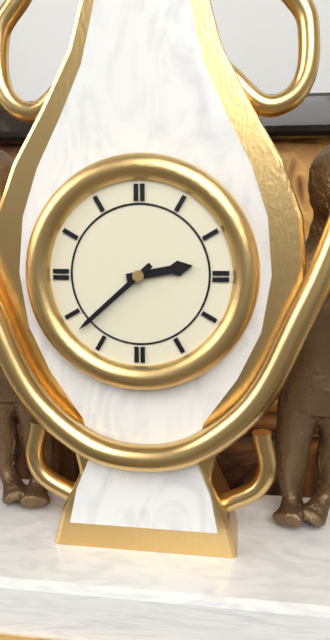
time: 2:38
